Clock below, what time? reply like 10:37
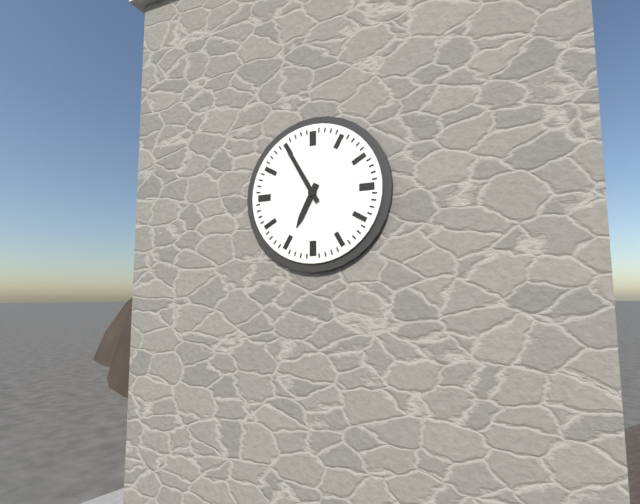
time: 6:55
